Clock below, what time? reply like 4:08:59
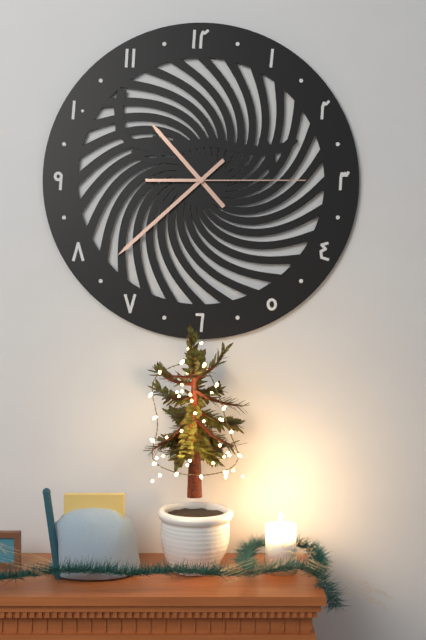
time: 10:38:15
